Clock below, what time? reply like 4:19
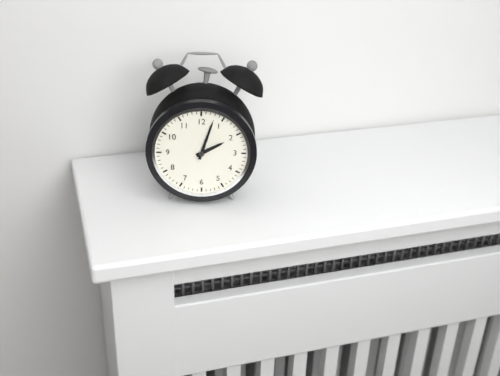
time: 2:03
